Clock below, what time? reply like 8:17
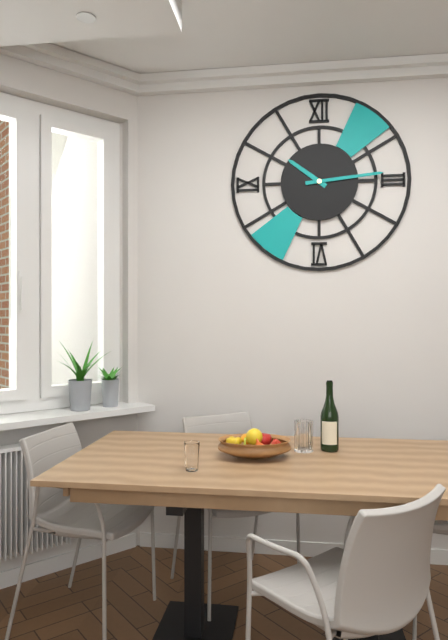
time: 10:14
